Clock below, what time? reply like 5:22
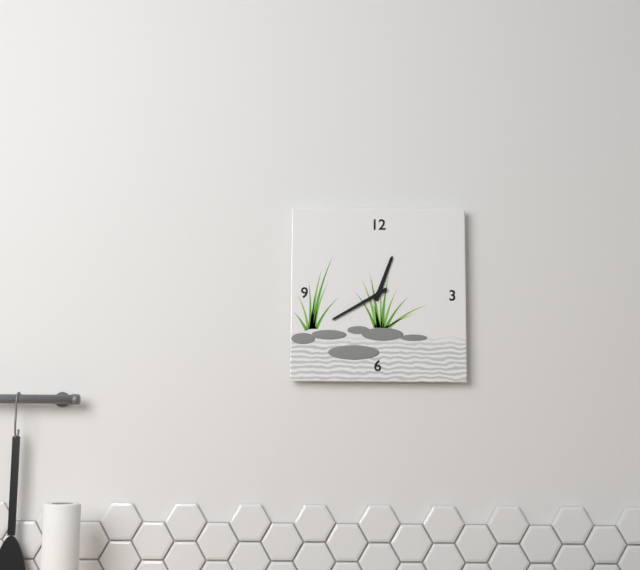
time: 12:40
